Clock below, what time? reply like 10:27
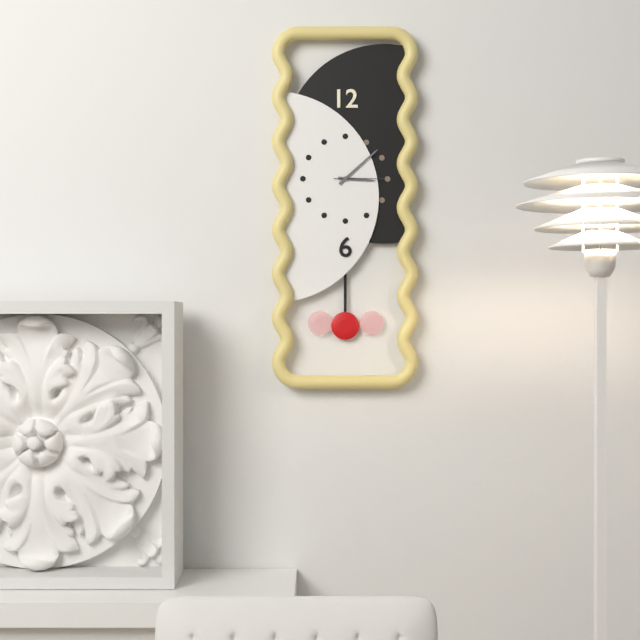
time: 3:08
